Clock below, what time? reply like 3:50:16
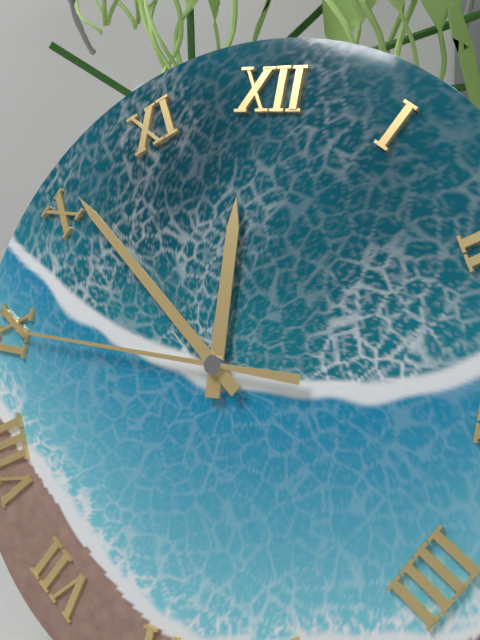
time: 11:51:45
